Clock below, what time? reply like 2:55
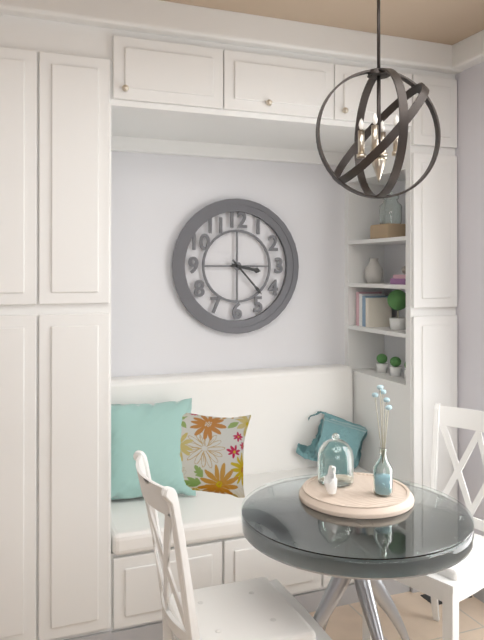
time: 3:23
